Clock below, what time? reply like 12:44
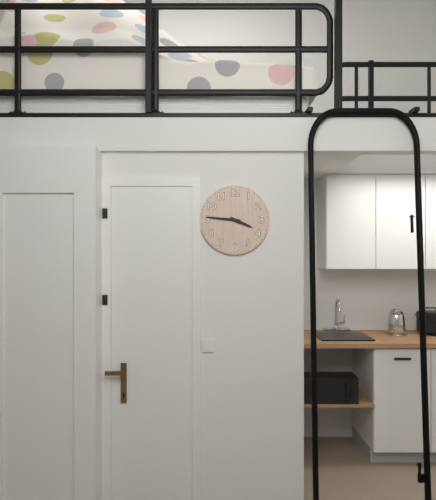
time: 3:46
